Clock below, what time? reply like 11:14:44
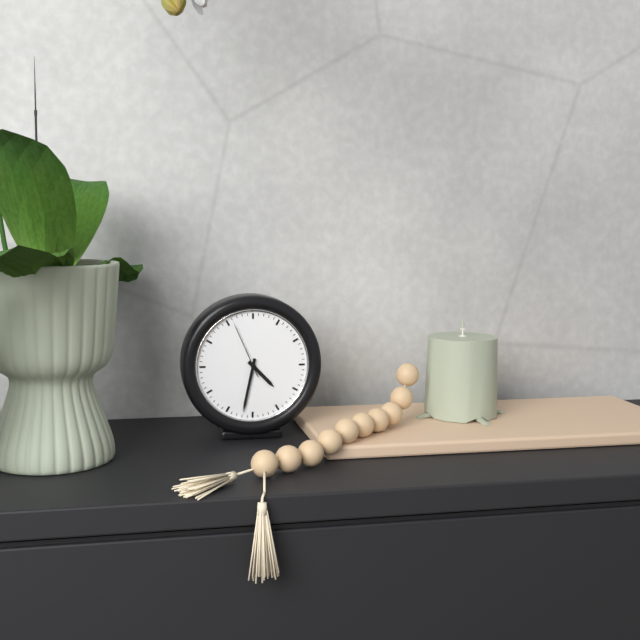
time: 4:32:56
